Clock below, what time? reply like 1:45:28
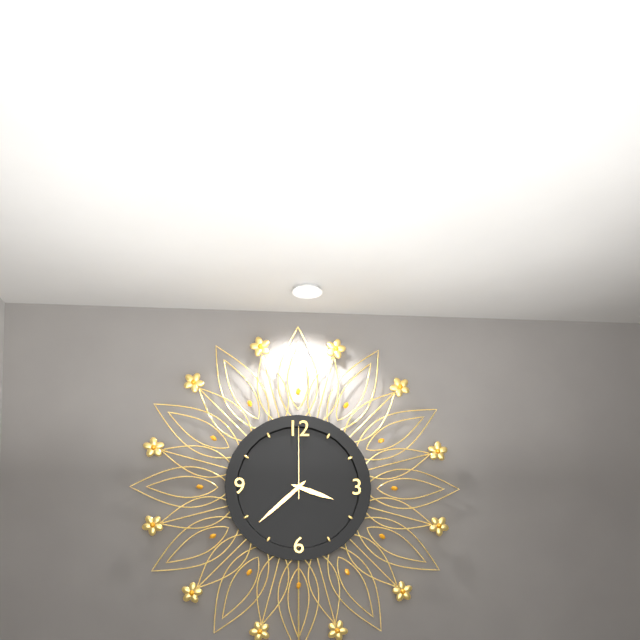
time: 3:38:00
